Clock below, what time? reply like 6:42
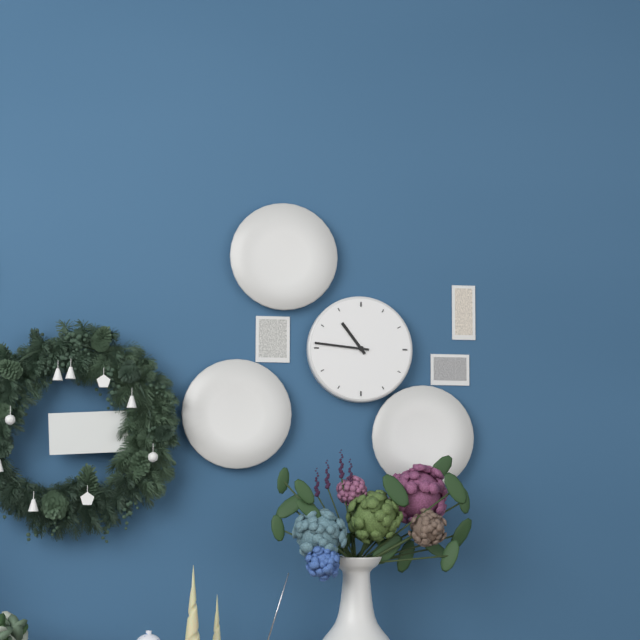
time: 10:46
